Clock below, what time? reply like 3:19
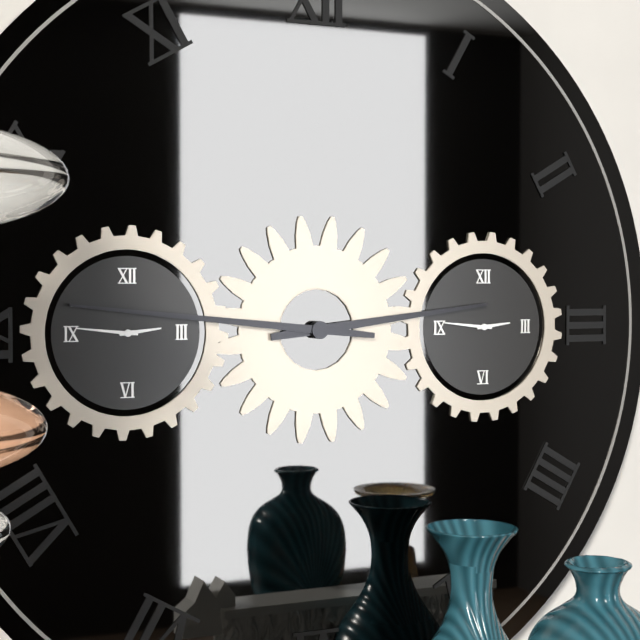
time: 2:46
